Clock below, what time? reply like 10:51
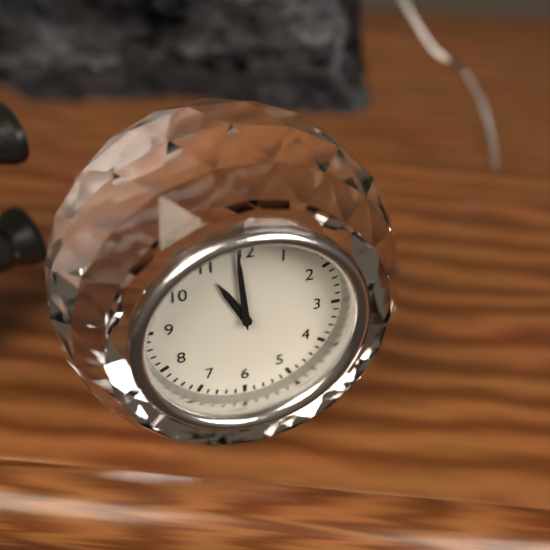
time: 10:59
